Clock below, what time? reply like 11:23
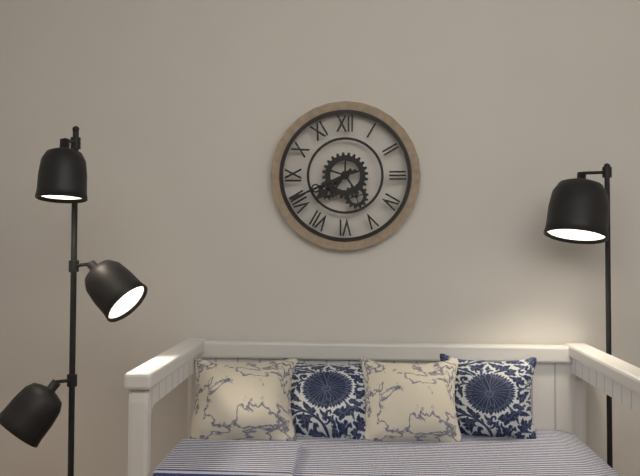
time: 7:41
